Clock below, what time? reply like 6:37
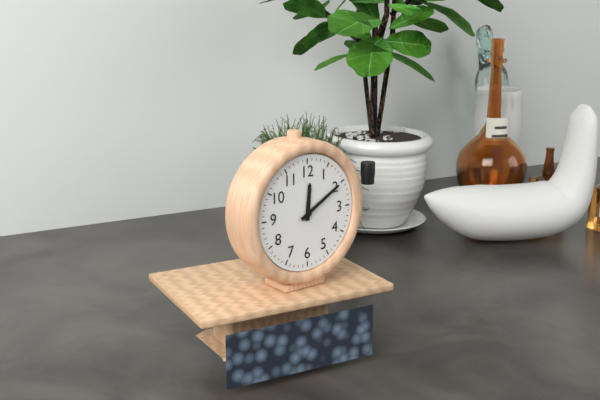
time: 12:10
